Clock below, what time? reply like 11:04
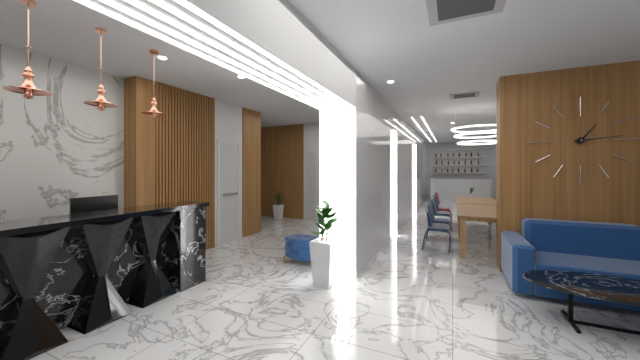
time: 1:14
